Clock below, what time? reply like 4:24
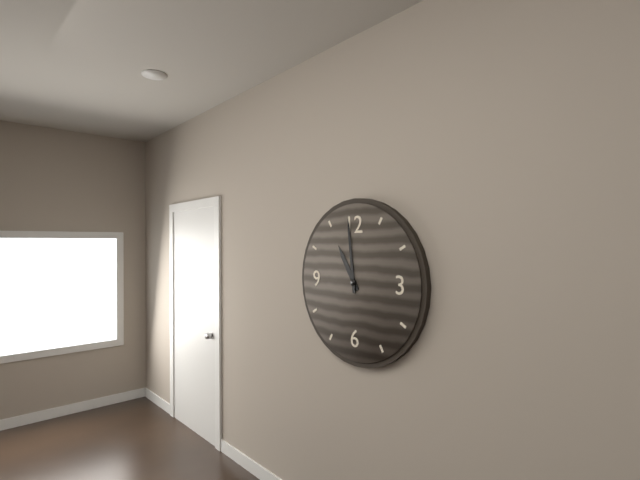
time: 10:59
